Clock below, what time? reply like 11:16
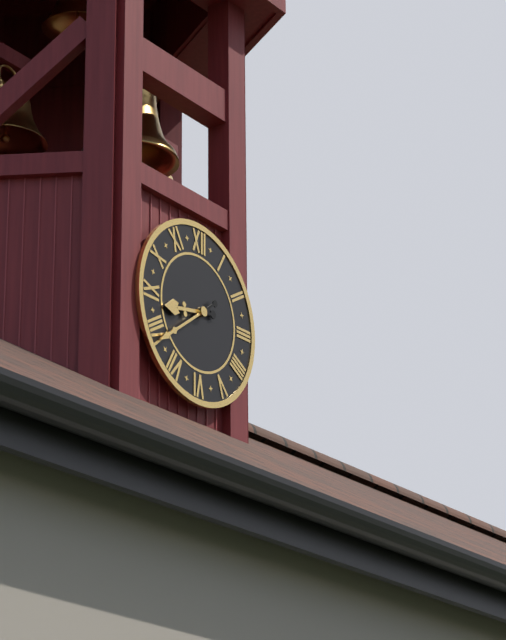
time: 8:39
